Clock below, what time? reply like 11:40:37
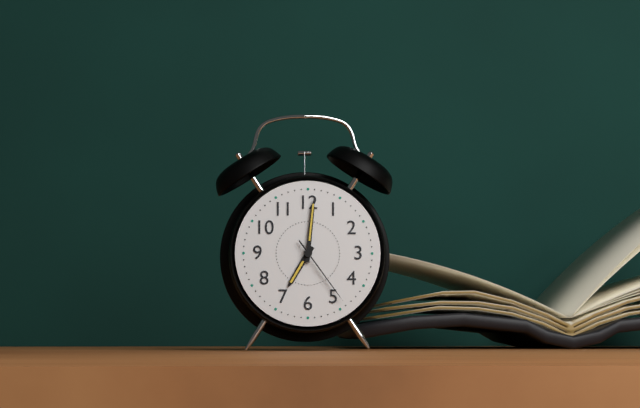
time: 7:01:24
